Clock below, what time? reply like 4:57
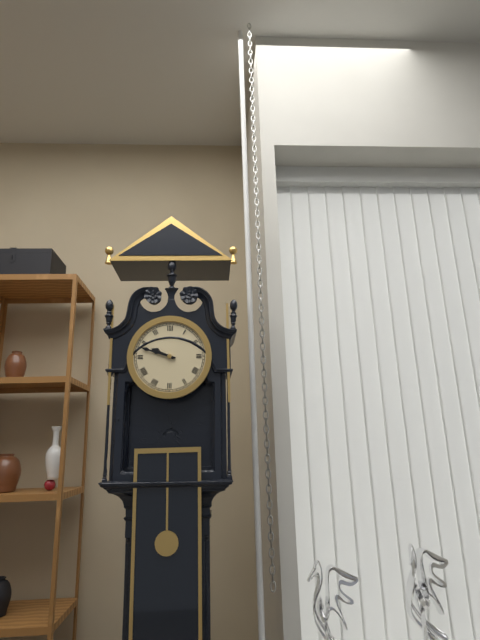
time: 9:48
